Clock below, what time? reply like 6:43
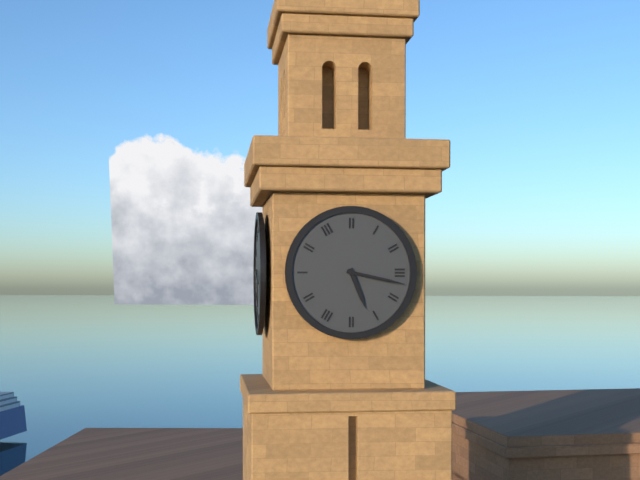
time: 5:17
